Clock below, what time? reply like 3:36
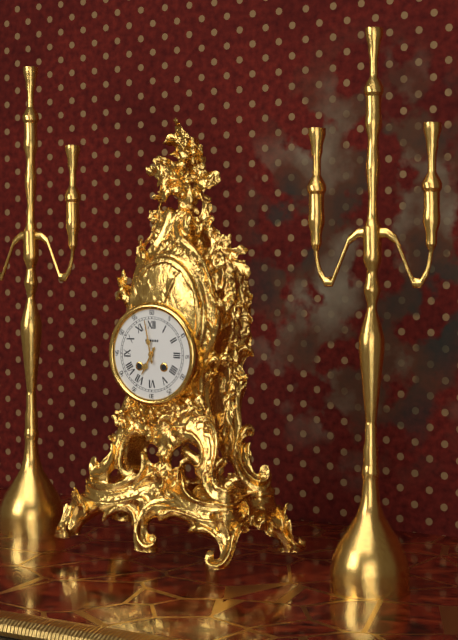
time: 6:58
